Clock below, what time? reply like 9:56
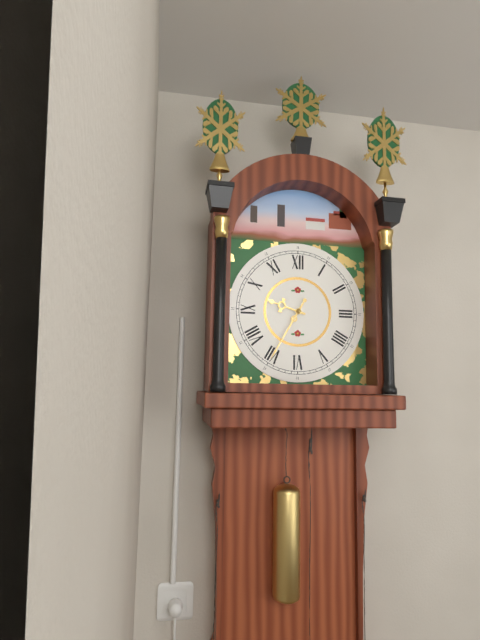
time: 9:35
